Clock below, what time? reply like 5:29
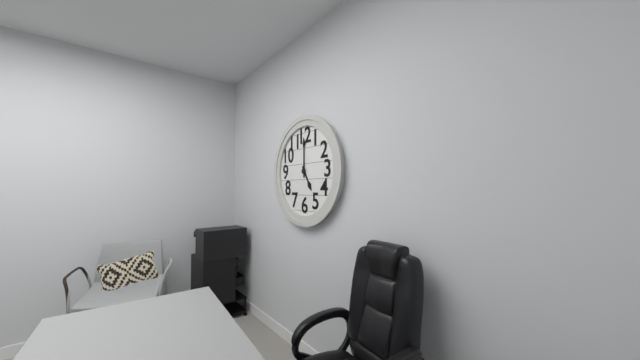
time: 5:00
